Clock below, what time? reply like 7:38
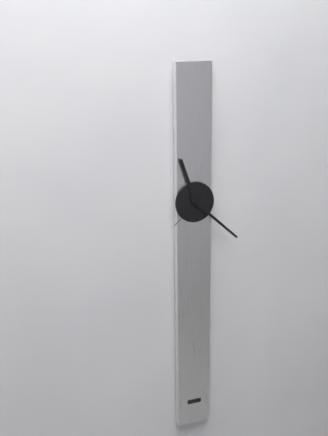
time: 11:22
